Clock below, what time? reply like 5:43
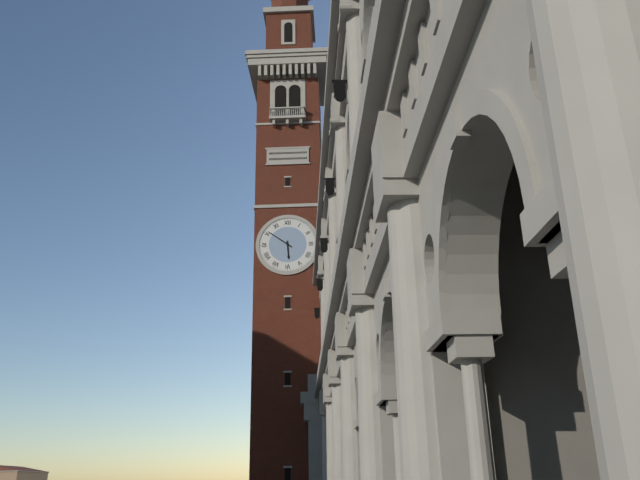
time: 5:51
